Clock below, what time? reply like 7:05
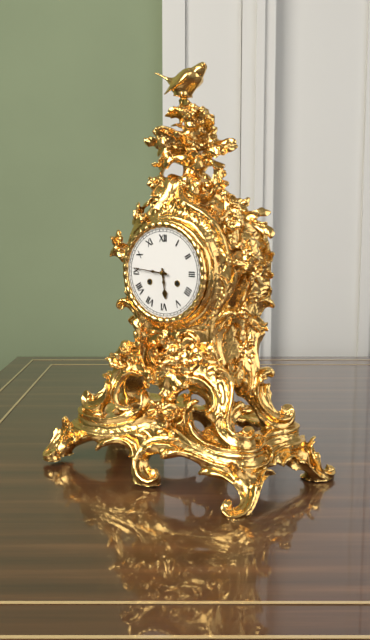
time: 5:46
